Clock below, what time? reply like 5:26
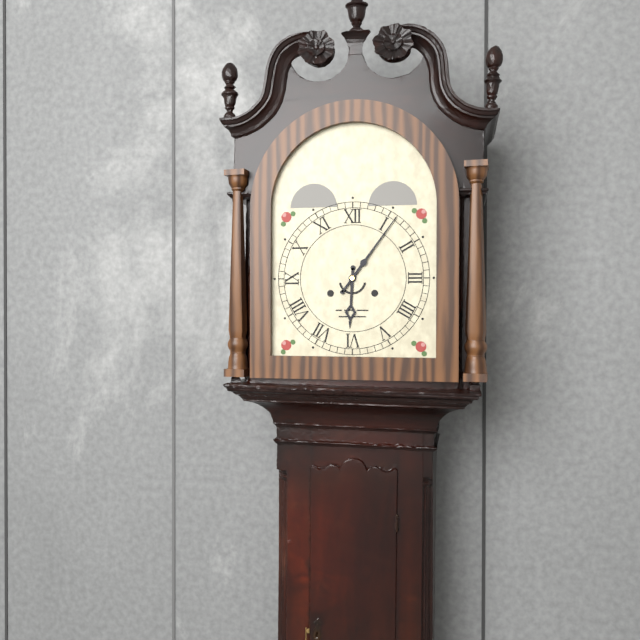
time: 6:06
